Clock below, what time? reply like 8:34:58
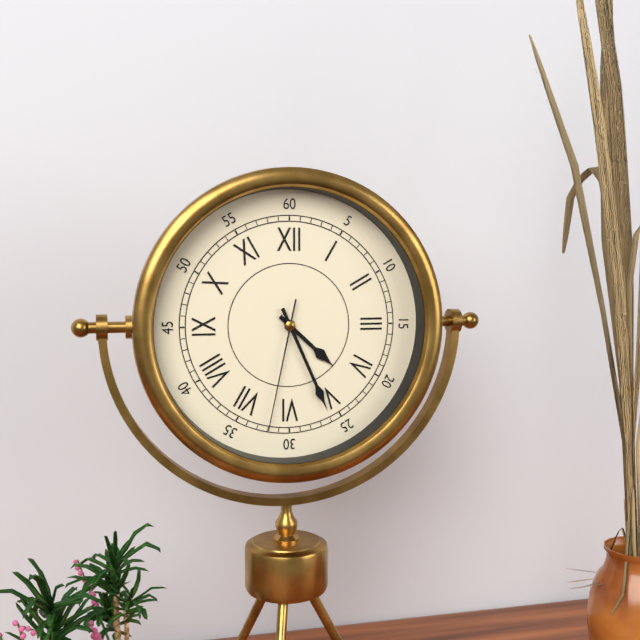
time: 4:26:32
